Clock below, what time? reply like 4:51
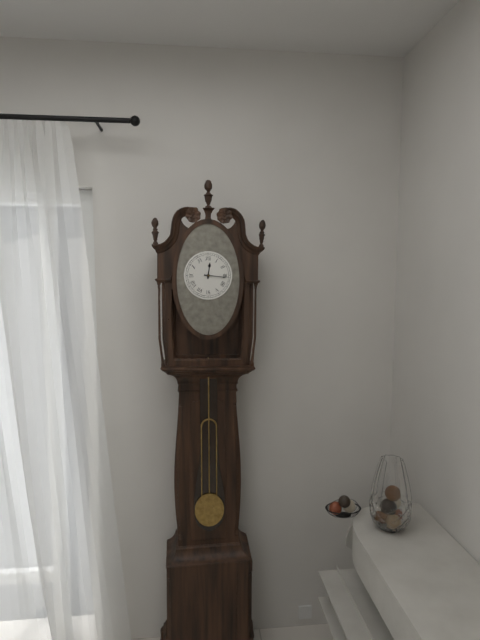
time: 12:16
